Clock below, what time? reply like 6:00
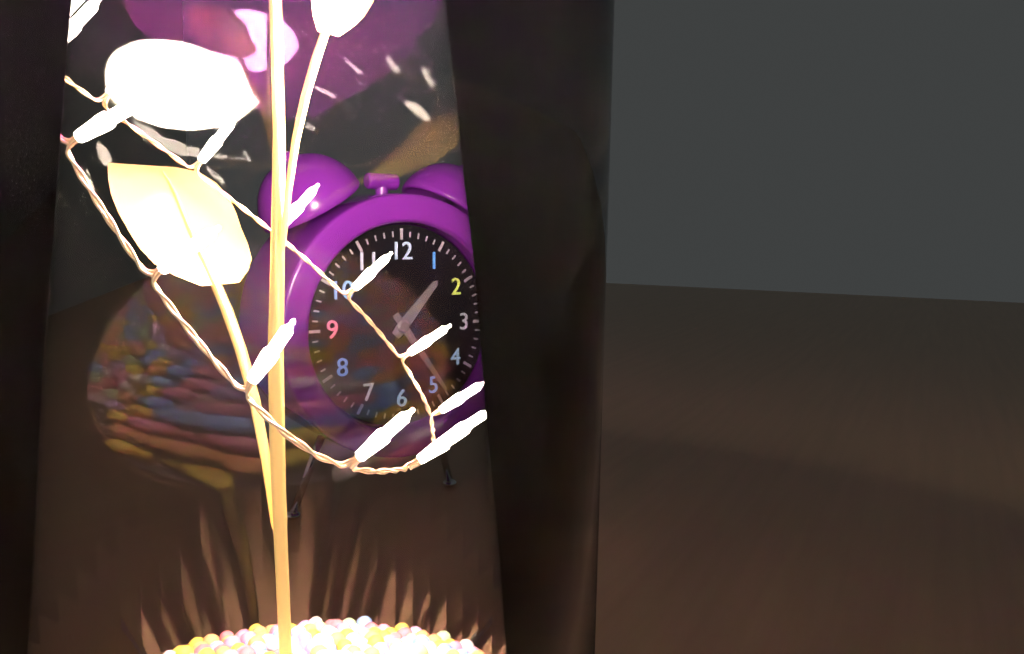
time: 1:24
